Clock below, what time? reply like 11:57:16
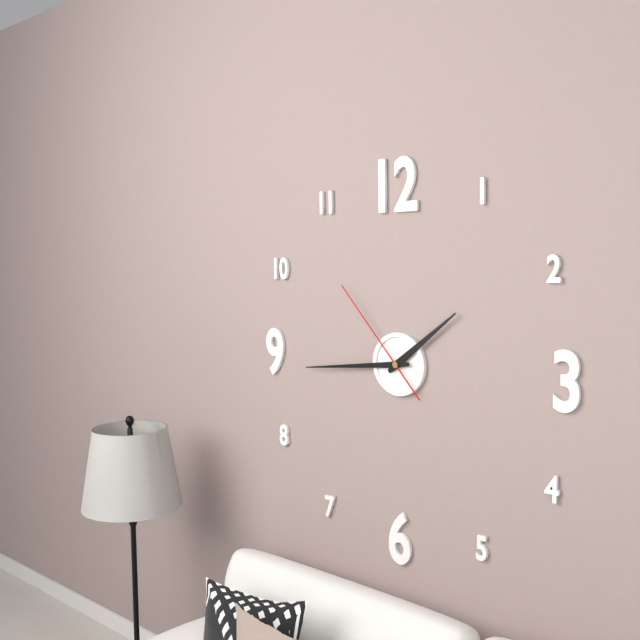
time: 1:44:53
